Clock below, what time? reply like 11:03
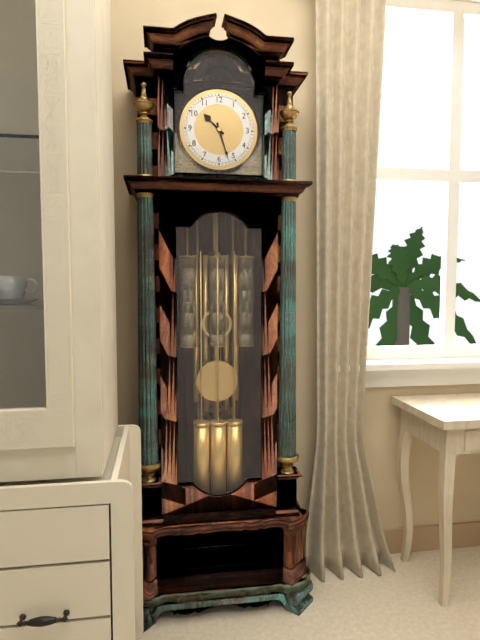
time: 10:27
